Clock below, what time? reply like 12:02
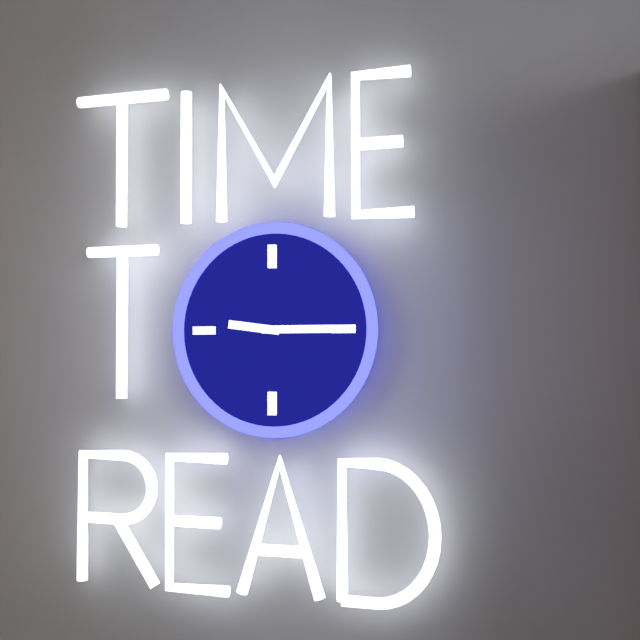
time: 9:15
